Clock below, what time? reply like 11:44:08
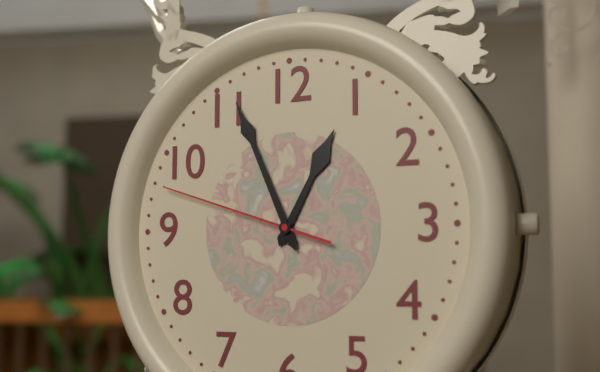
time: 12:56:48
